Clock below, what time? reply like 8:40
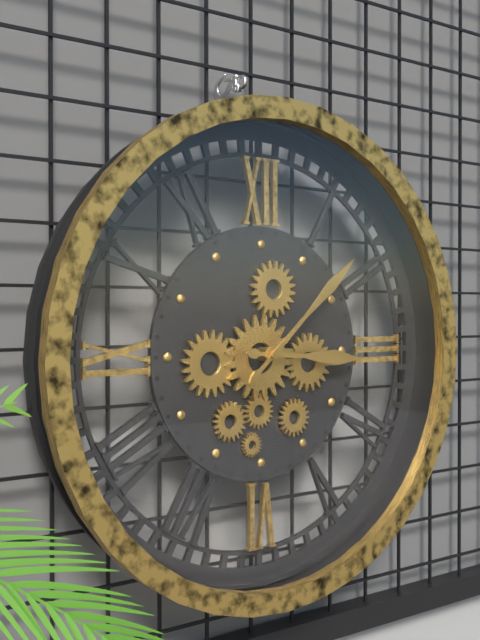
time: 3:08
